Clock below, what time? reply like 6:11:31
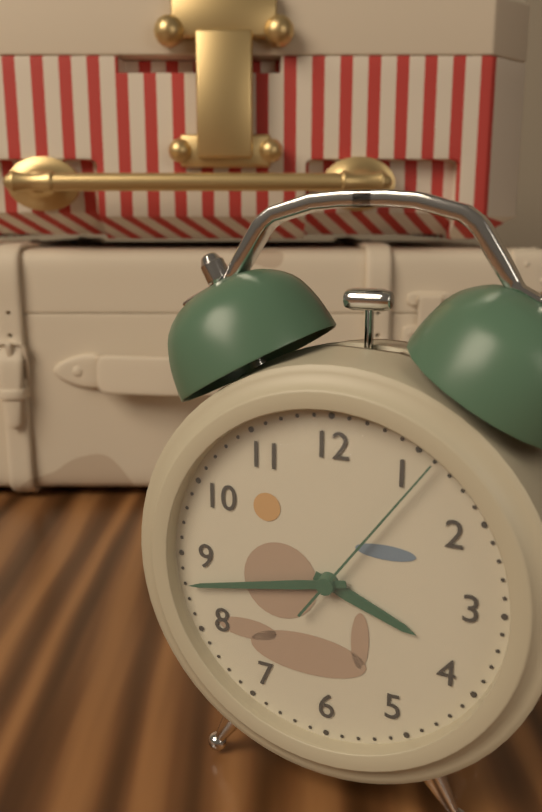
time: 3:43:06
